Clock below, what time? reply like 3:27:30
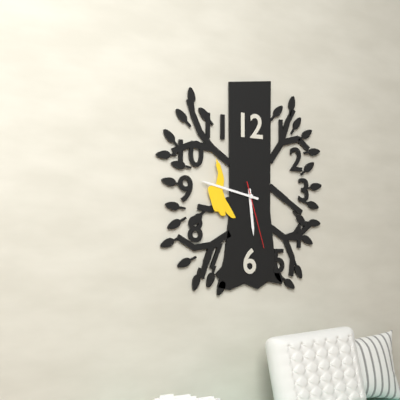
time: 5:47:27
